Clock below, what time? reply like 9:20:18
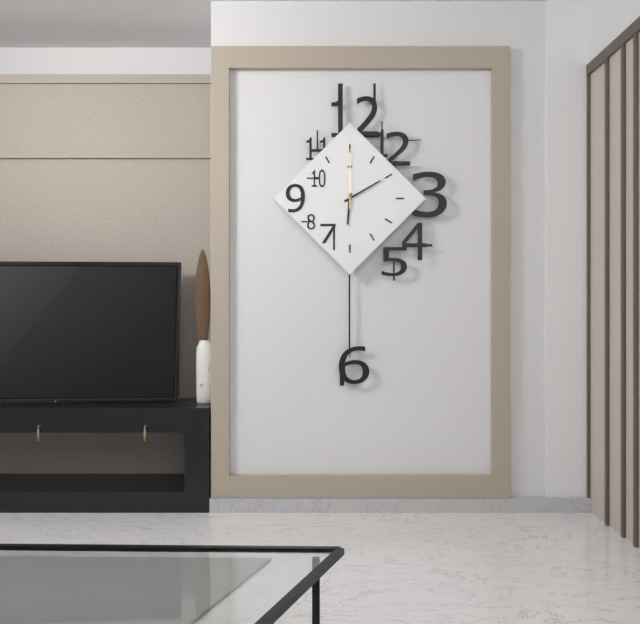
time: 6:10:00
